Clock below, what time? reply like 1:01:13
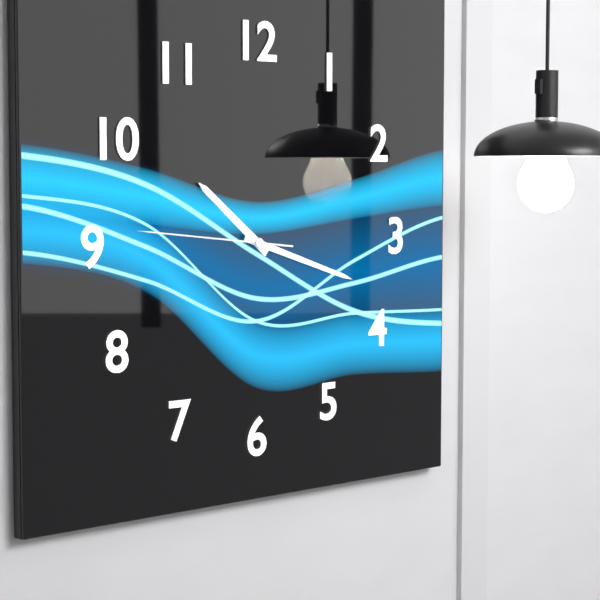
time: 10:18:46
